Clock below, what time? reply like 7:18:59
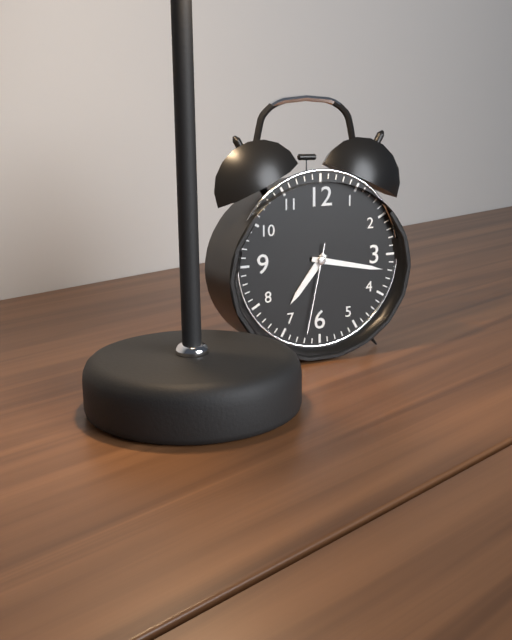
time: 7:17:32
